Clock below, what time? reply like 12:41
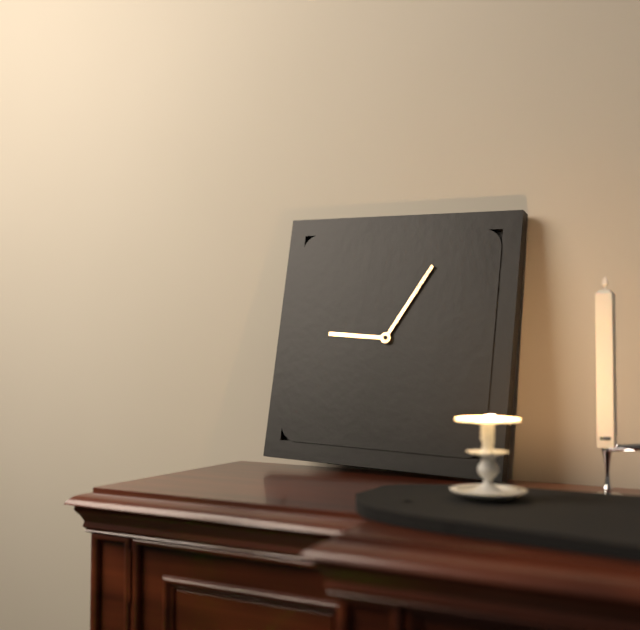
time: 9:05
